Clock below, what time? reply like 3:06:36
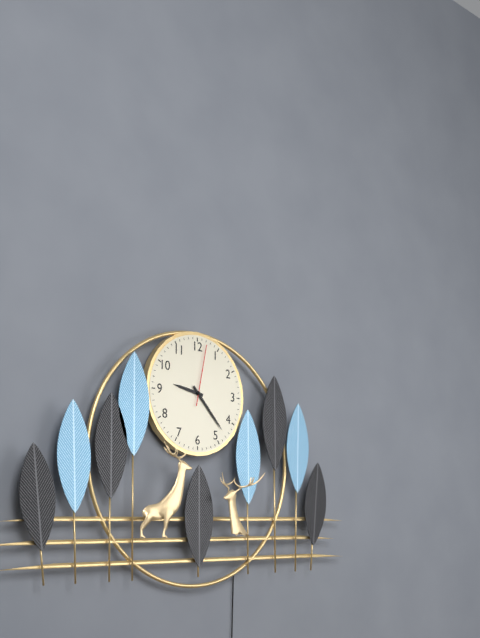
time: 9:23:02
